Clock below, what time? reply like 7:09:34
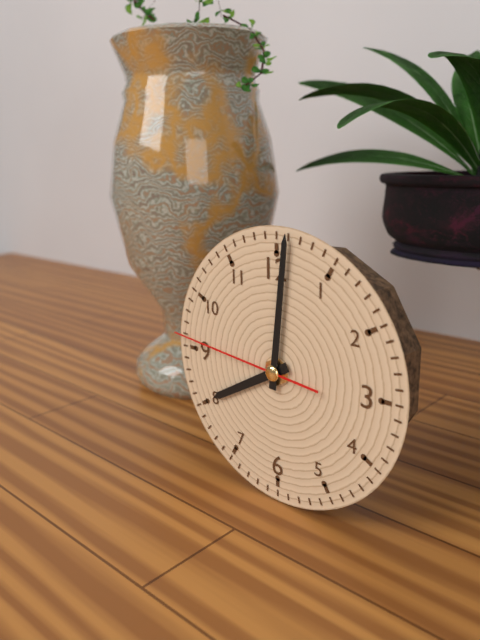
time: 8:01:46
